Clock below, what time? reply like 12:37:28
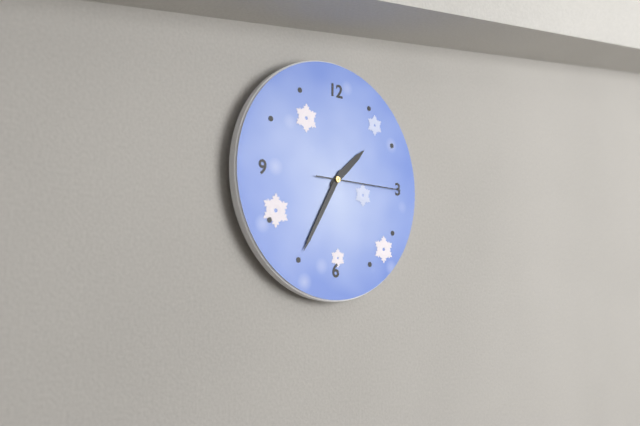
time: 1:35:15
